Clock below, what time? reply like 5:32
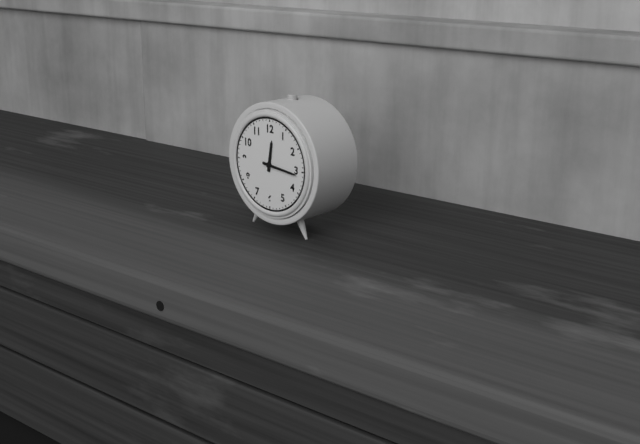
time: 12:16
